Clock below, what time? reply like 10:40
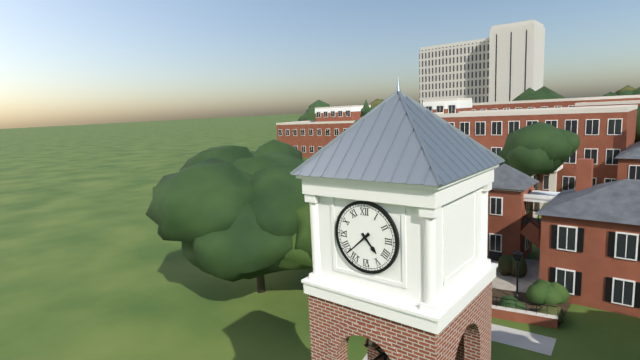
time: 4:38
